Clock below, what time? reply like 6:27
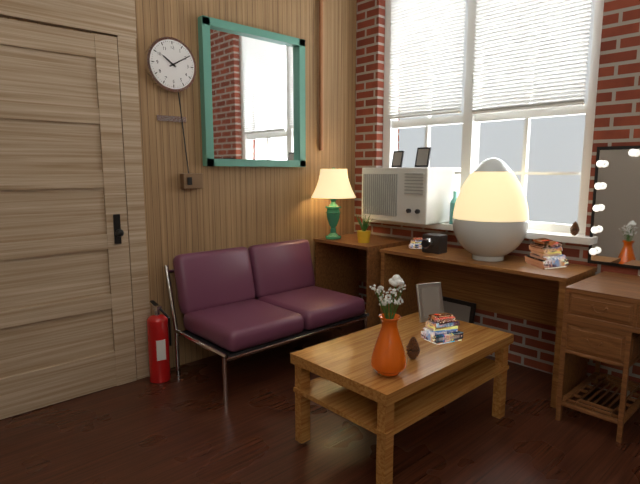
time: 10:10
